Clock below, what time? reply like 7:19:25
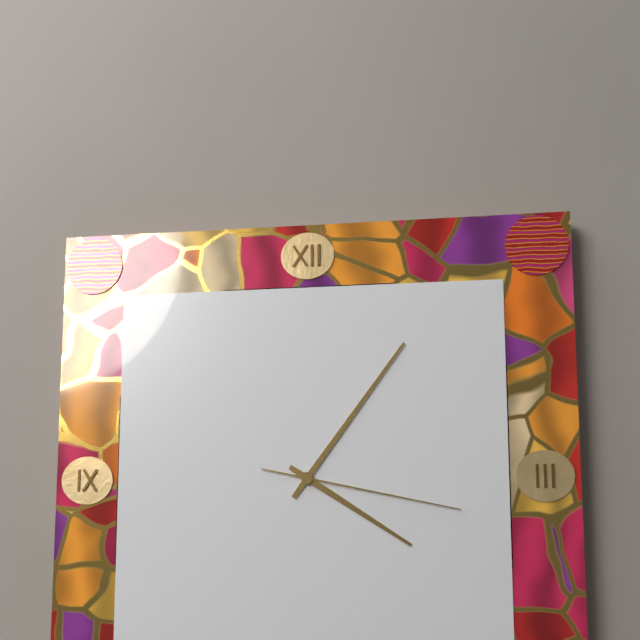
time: 4:06:17
